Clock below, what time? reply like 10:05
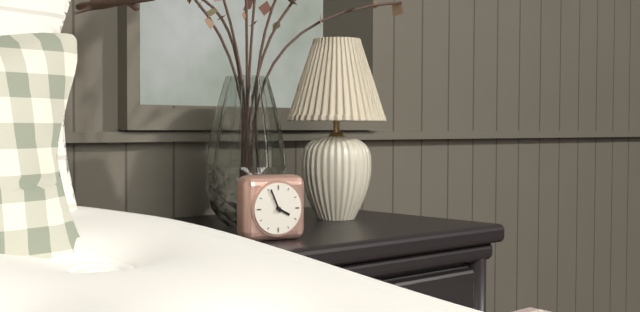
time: 3:56
